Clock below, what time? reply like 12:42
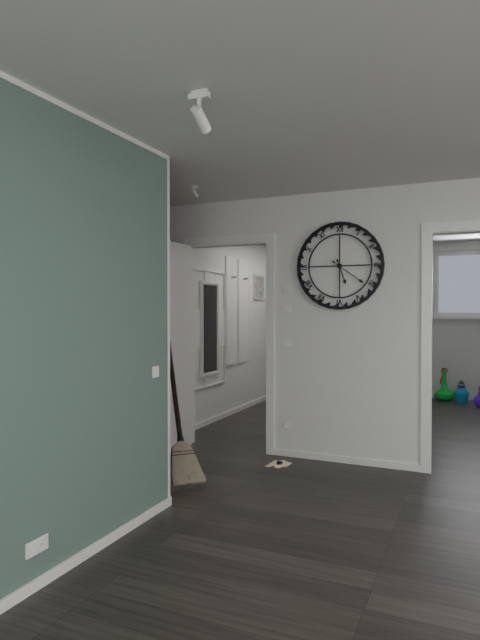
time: 5:21
